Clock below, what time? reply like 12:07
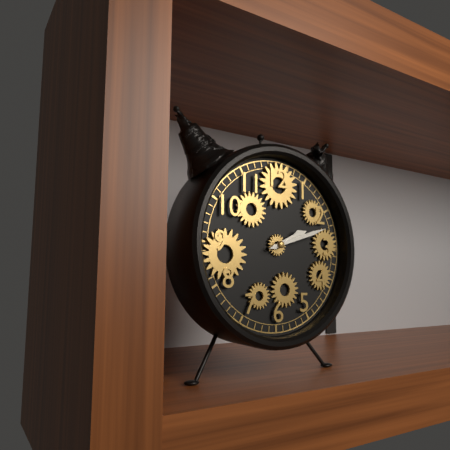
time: 2:12
